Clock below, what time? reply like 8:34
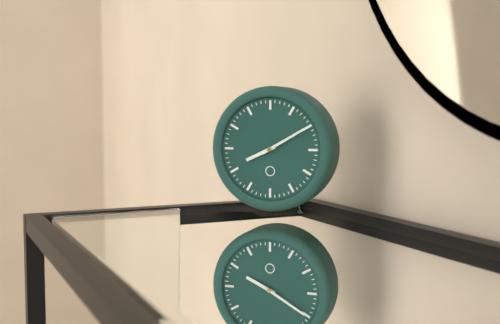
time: 8:10
